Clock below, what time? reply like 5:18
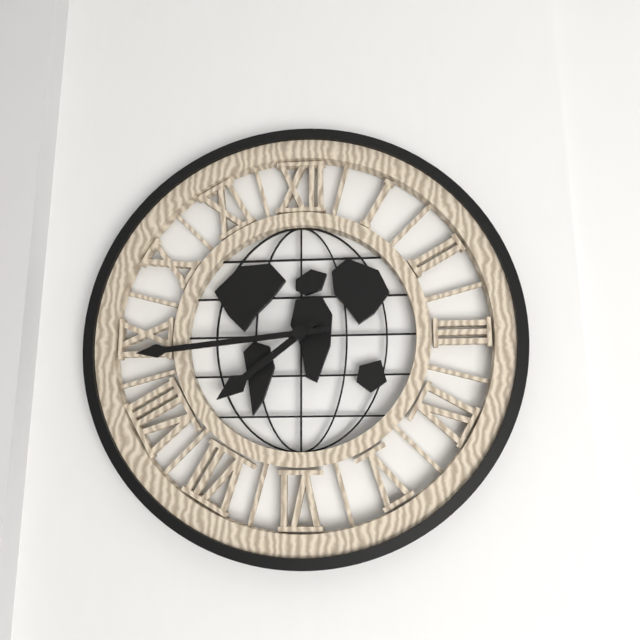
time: 7:44
